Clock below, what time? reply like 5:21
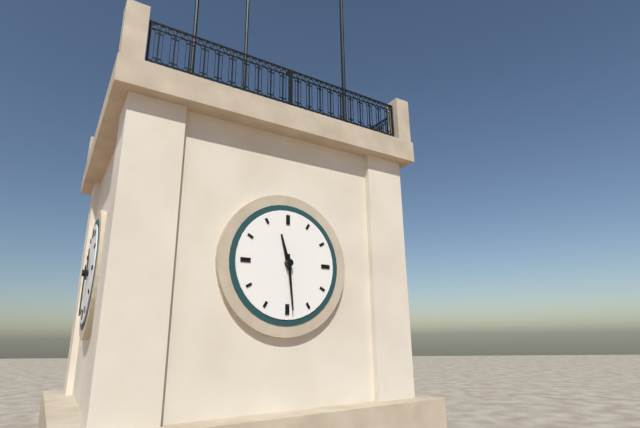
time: 11:29
